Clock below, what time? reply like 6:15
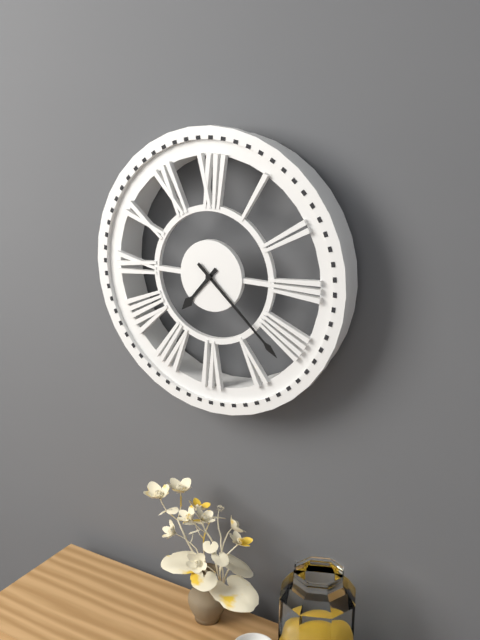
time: 7:22
